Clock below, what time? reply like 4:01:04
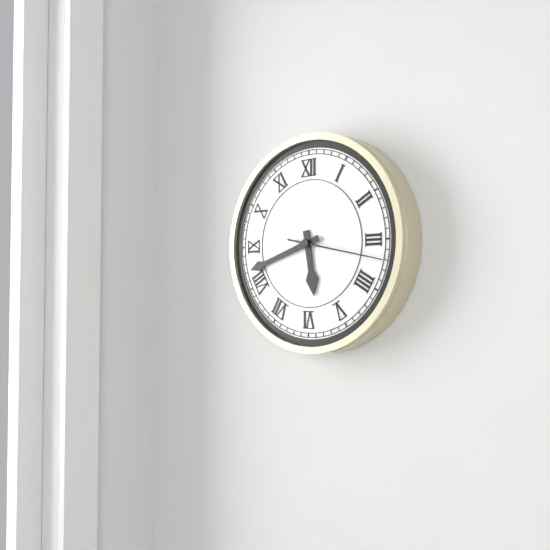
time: 5:42:17
